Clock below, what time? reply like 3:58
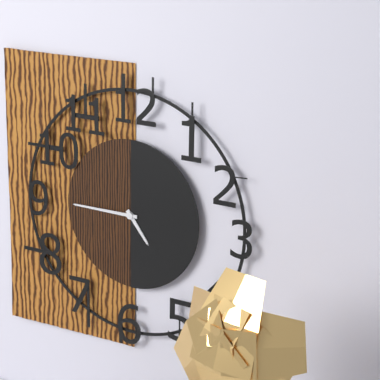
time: 4:45
